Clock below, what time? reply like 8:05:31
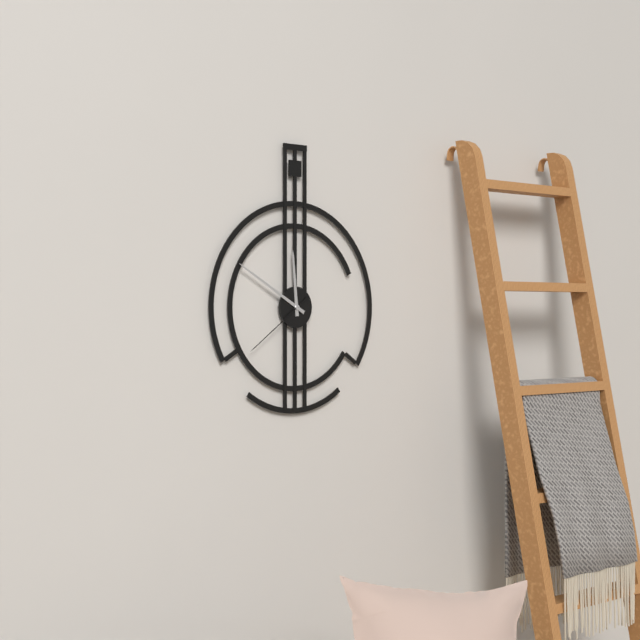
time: 11:50:39
